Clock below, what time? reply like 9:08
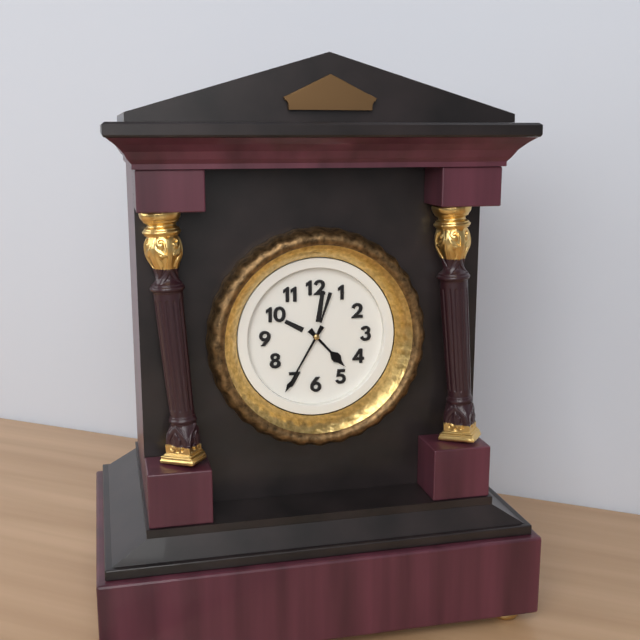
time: 4:35
